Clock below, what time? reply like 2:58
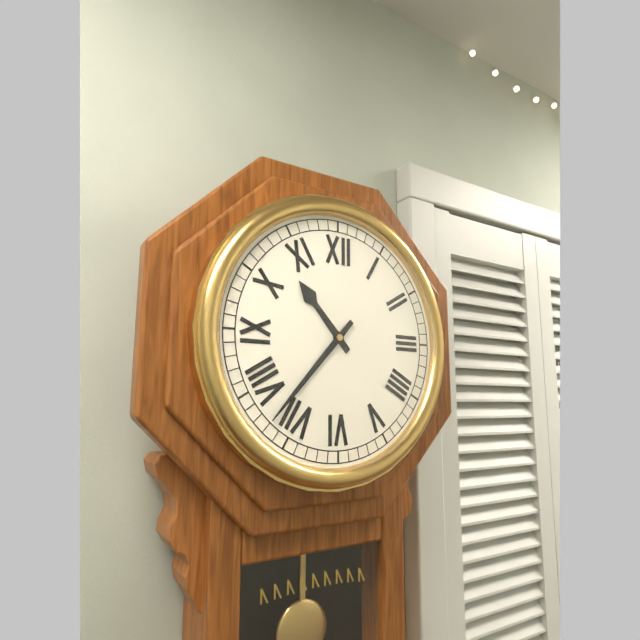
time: 10:37
